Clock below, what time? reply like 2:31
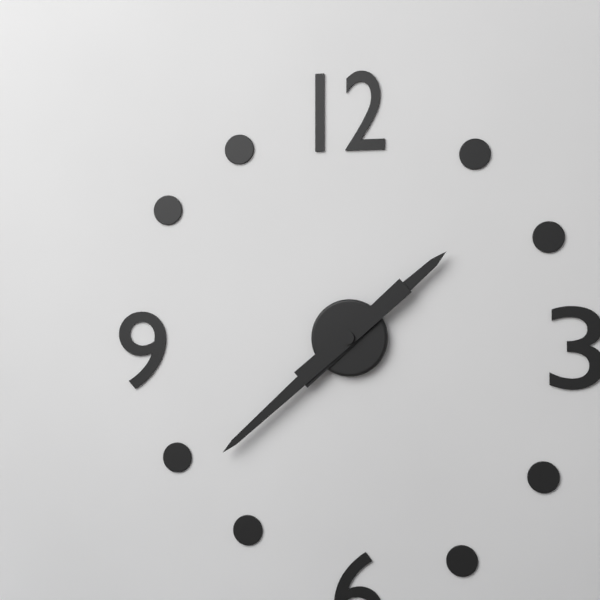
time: 1:38
